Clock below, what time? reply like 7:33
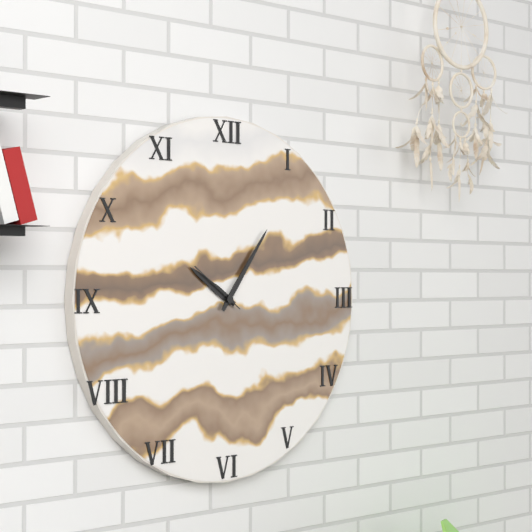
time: 10:06
